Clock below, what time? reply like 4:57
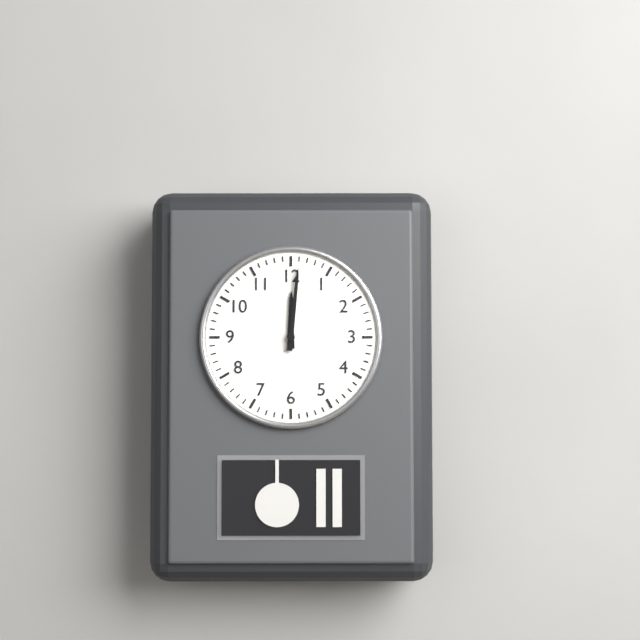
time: 12:01
